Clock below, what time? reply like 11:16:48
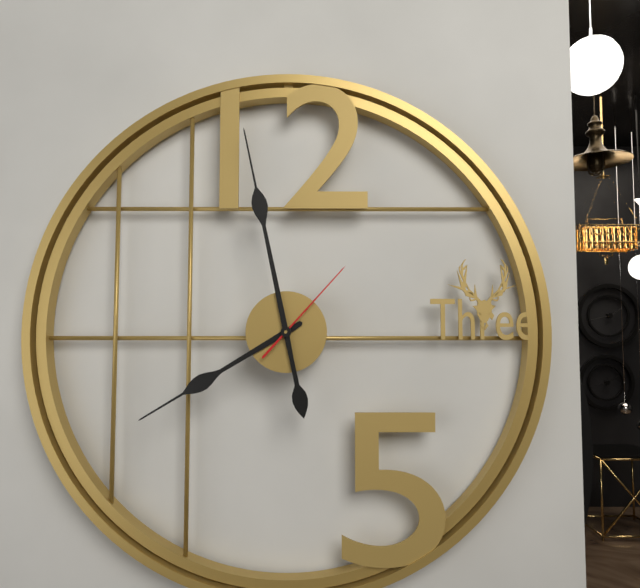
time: 7:58:07
